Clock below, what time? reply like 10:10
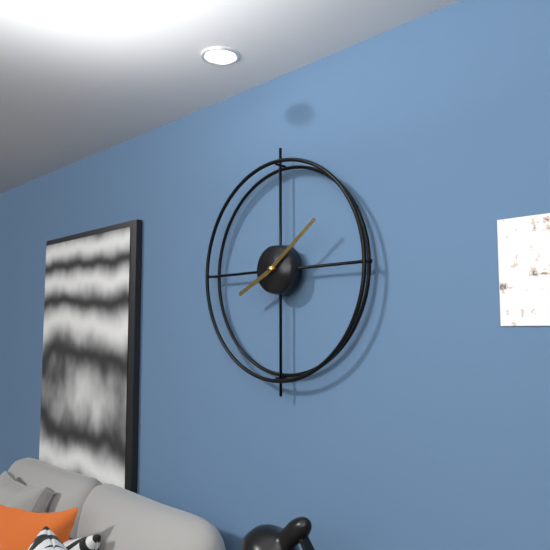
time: 8:09
